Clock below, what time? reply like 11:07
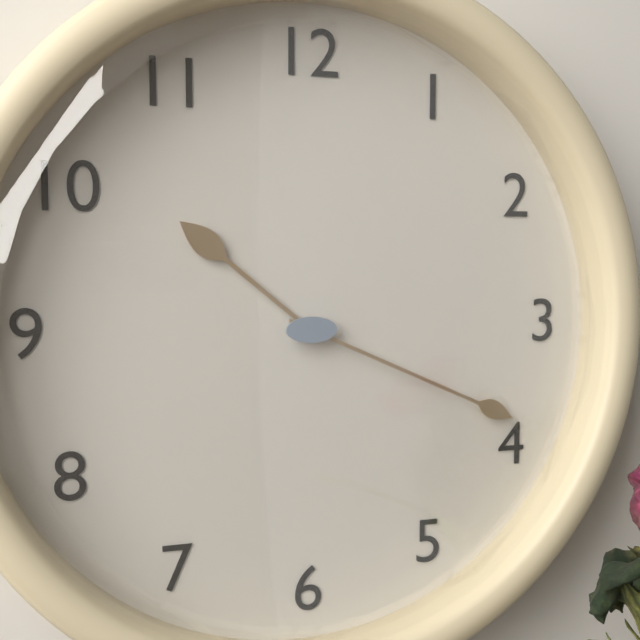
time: 10:19
